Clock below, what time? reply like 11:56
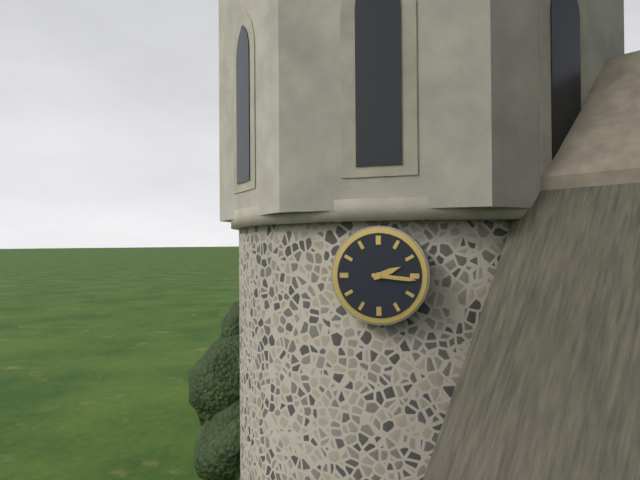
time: 2:16
